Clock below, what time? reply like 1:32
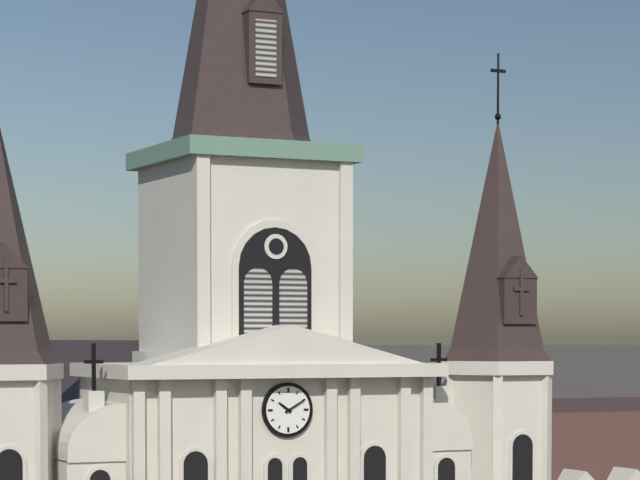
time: 10:10
